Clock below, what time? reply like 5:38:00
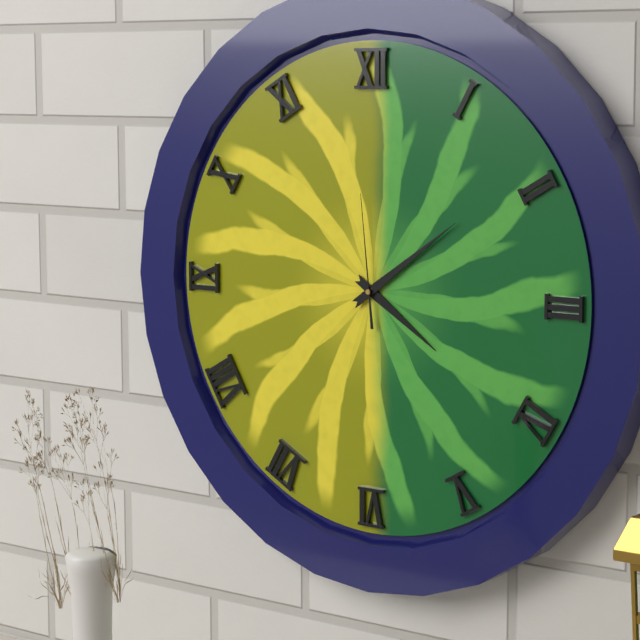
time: 4:09:59
